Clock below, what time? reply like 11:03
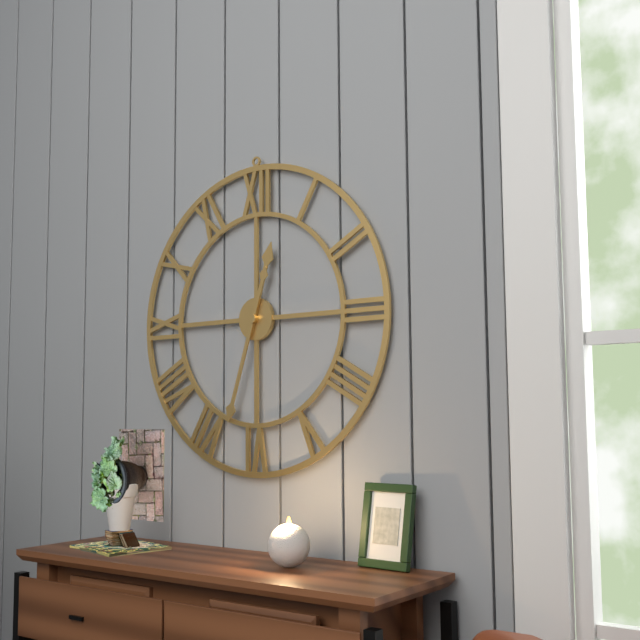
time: 12:33
